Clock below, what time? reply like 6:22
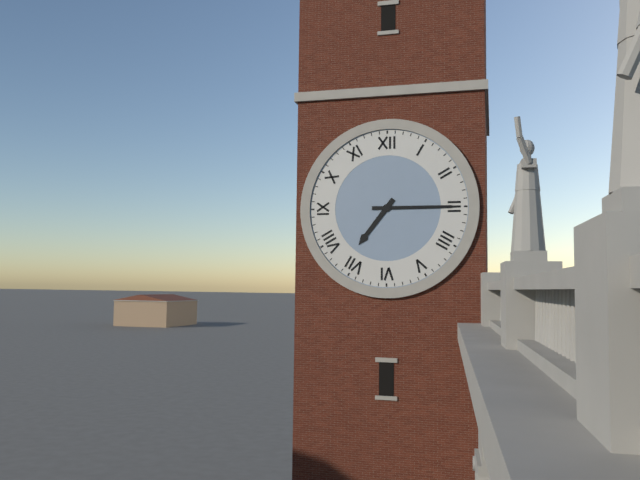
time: 7:15
